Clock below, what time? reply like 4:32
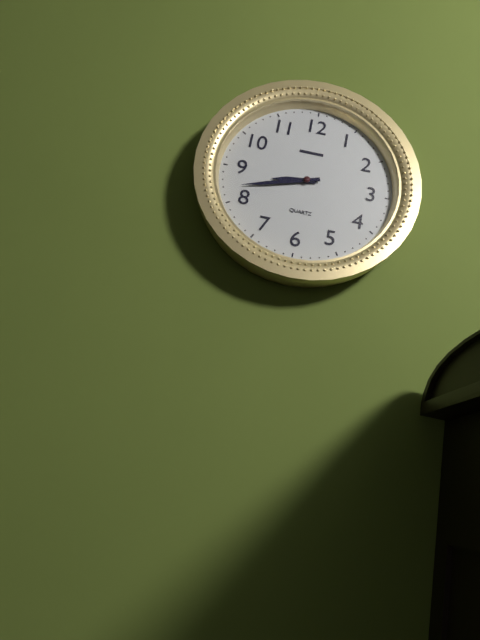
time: 8:42
